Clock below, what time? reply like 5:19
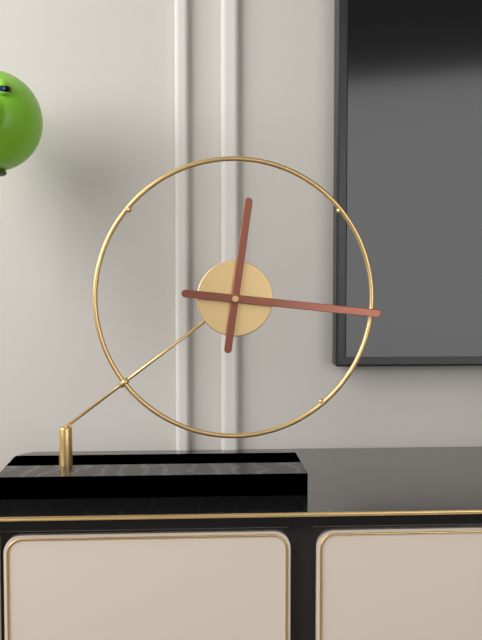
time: 12:16
